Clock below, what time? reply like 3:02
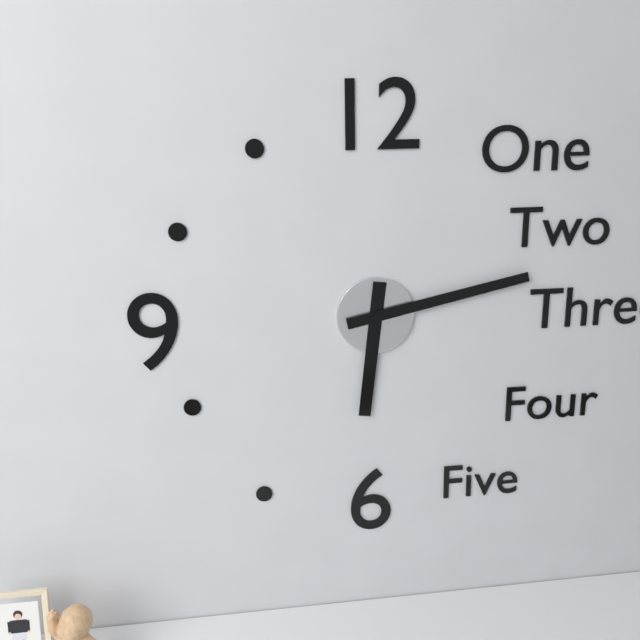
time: 6:13
